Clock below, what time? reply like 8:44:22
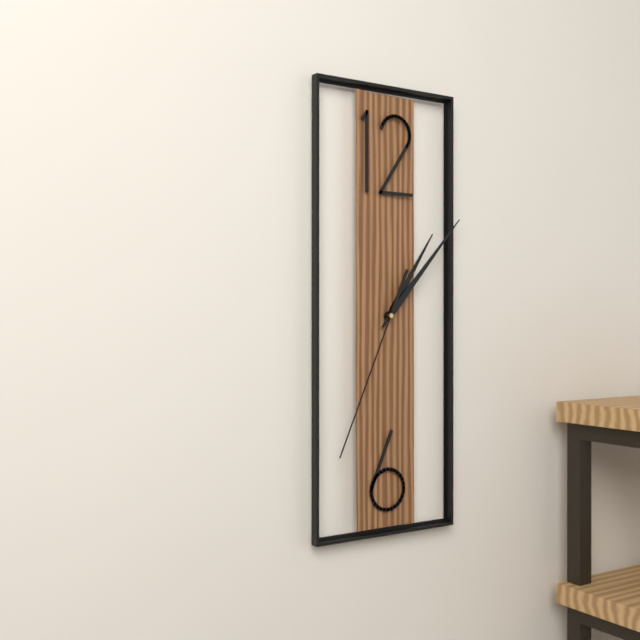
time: 1:07:34
